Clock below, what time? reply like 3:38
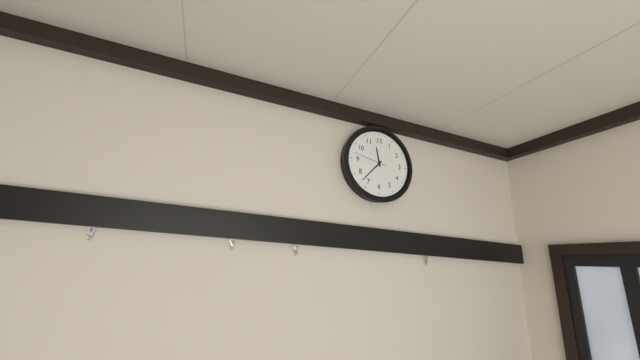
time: 11:37
